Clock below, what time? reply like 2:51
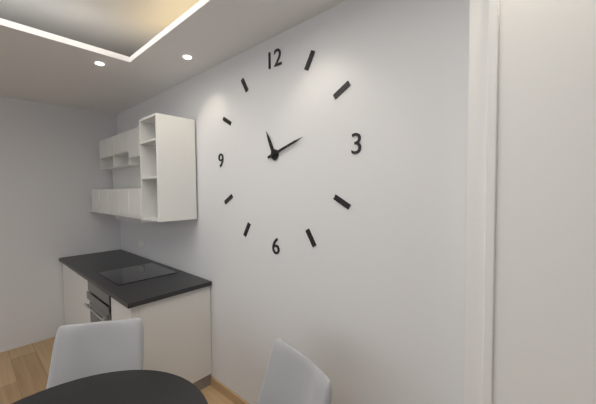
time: 11:12
